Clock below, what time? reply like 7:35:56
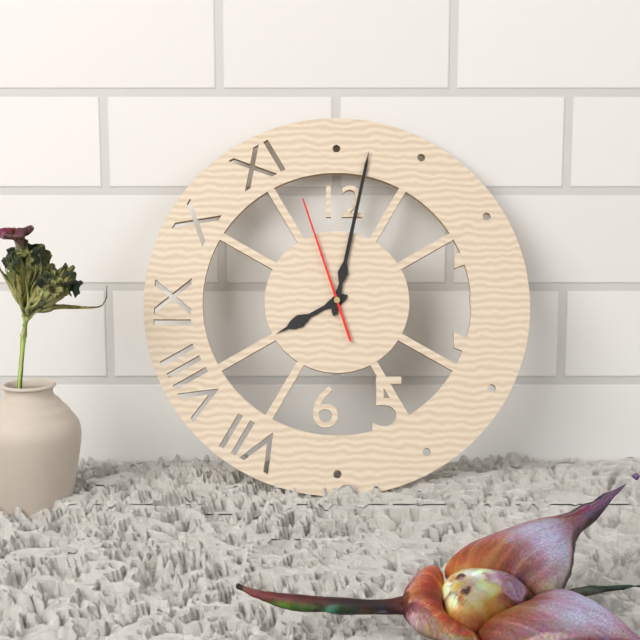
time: 8:02:57
